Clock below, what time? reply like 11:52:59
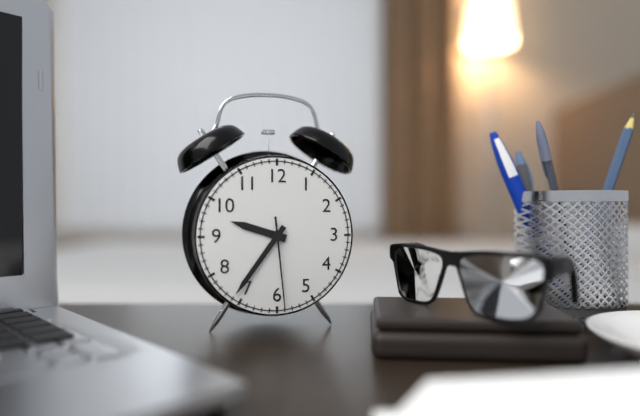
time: 9:36:29
